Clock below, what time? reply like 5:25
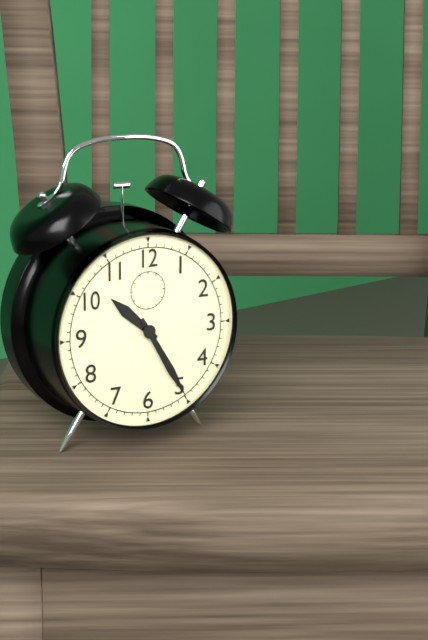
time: 10:25
